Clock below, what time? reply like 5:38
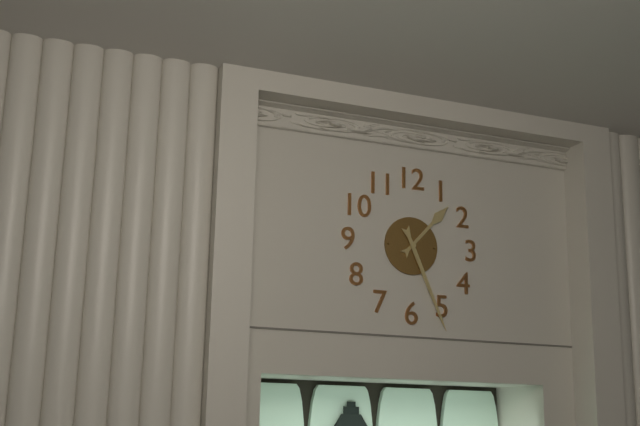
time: 1:26
